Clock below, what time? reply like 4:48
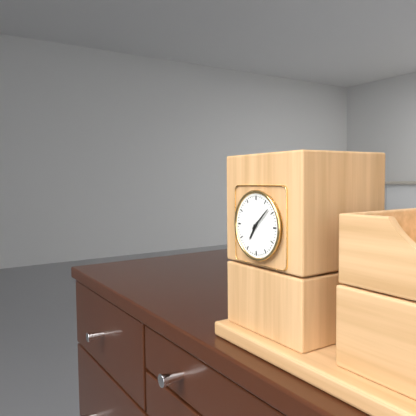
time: 7:08
